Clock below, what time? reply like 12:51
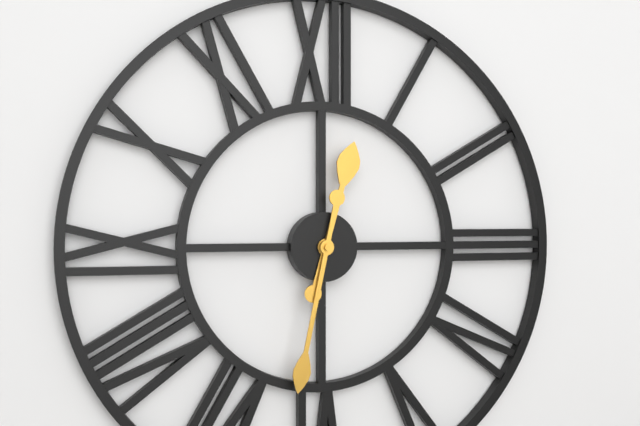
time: 12:32
